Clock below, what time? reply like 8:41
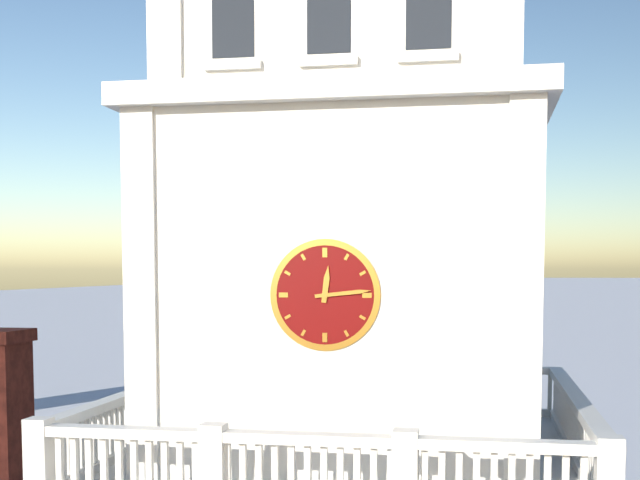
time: 12:14
